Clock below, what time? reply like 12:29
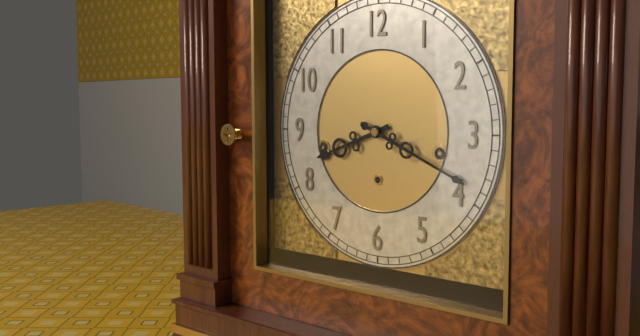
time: 8:19
